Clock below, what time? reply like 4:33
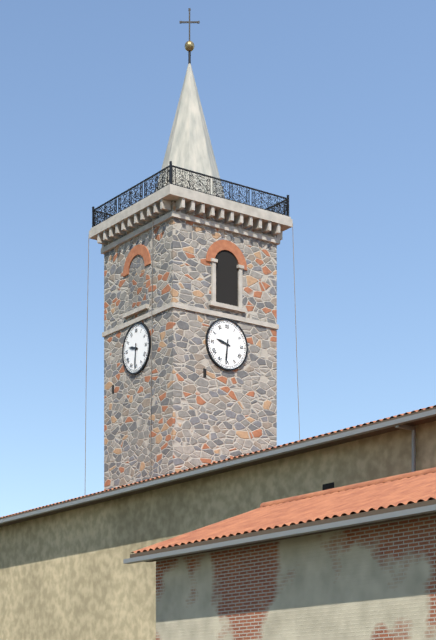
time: 9:31
